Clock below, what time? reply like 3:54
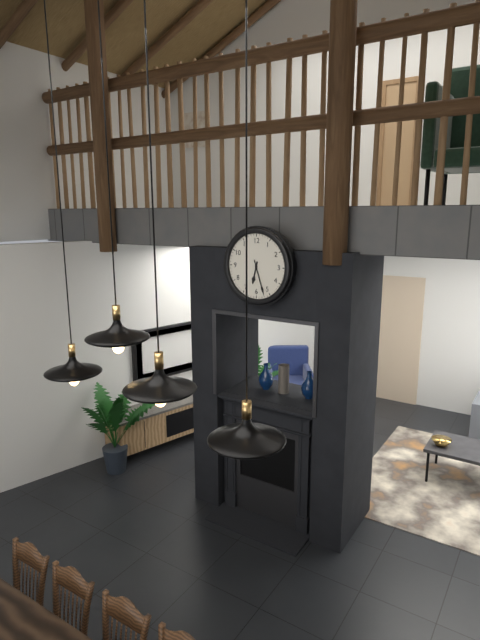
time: 6:27
